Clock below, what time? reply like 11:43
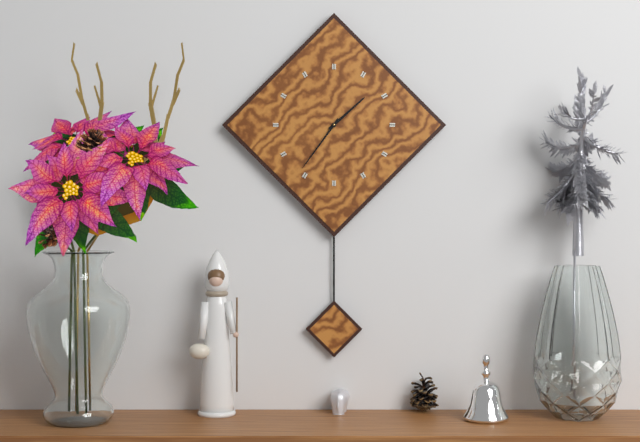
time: 1:36
